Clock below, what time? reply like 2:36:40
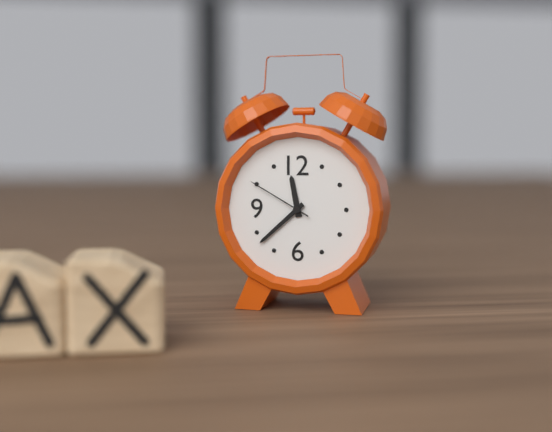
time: 11:38:50
